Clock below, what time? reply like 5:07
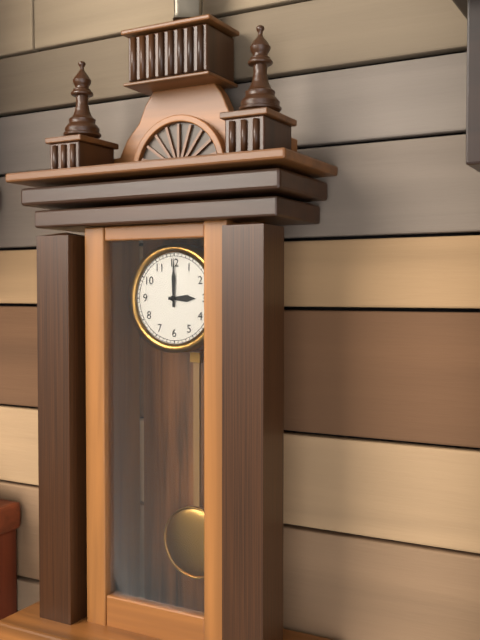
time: 3:00
